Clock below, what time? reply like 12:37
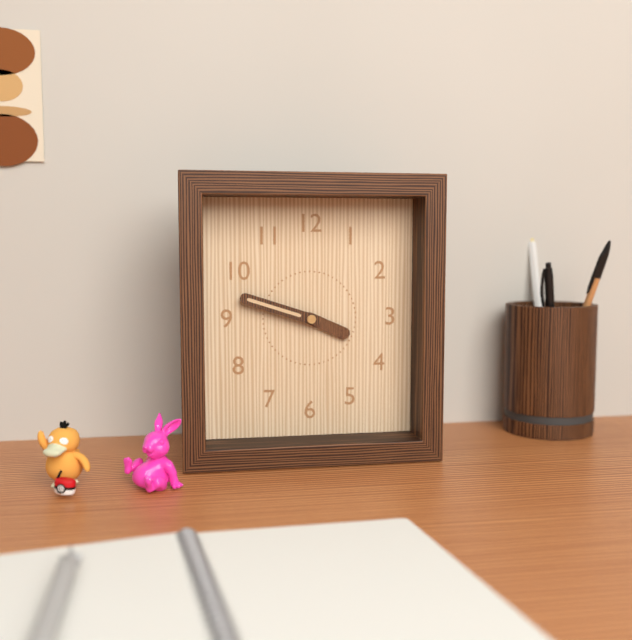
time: 3:48
